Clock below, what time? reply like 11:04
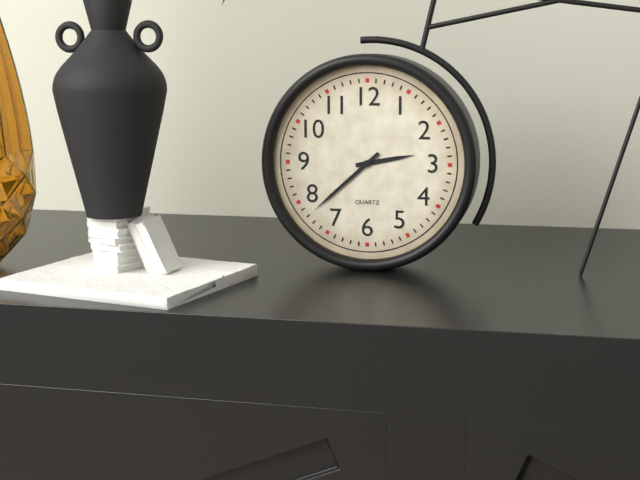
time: 2:38
